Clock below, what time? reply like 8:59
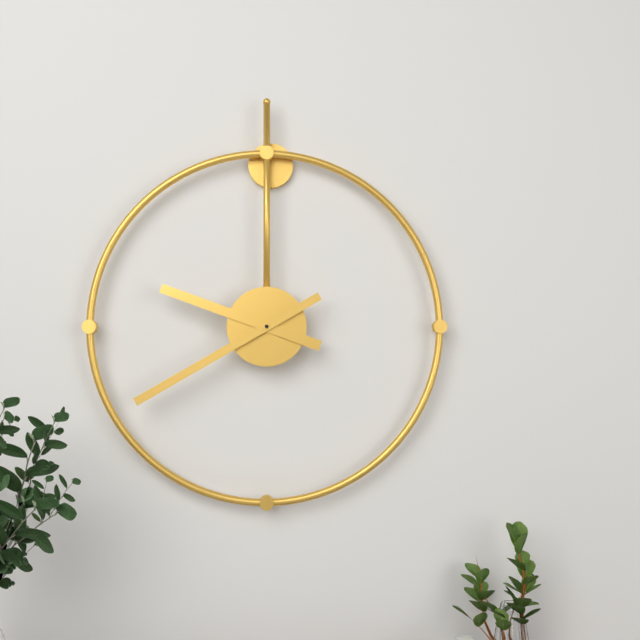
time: 9:40
